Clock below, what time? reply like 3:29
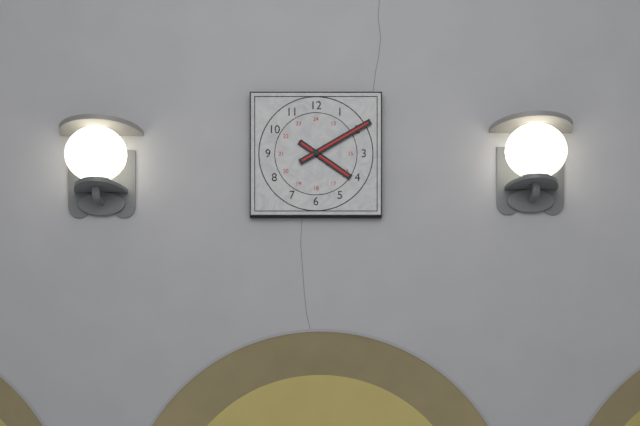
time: 4:10
